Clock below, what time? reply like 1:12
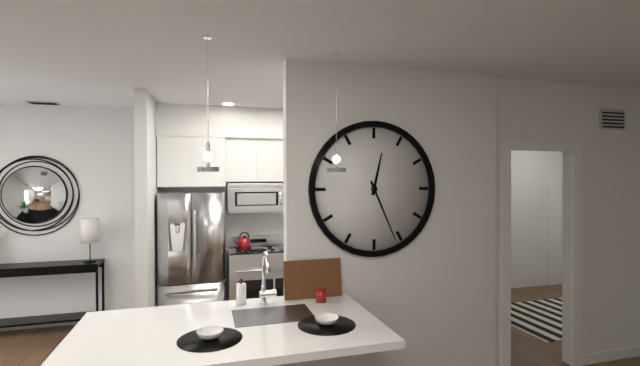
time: 12:26
